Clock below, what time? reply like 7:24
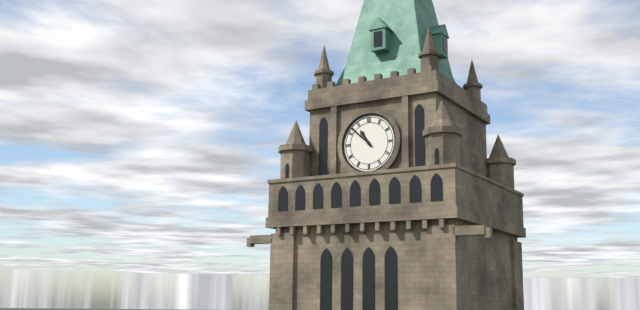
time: 10:52
